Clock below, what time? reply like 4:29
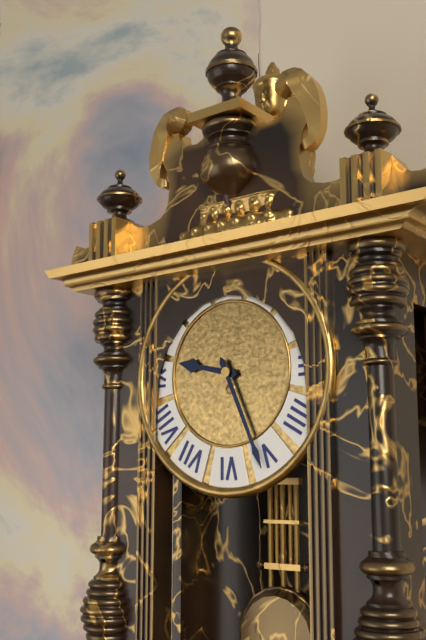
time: 9:26
